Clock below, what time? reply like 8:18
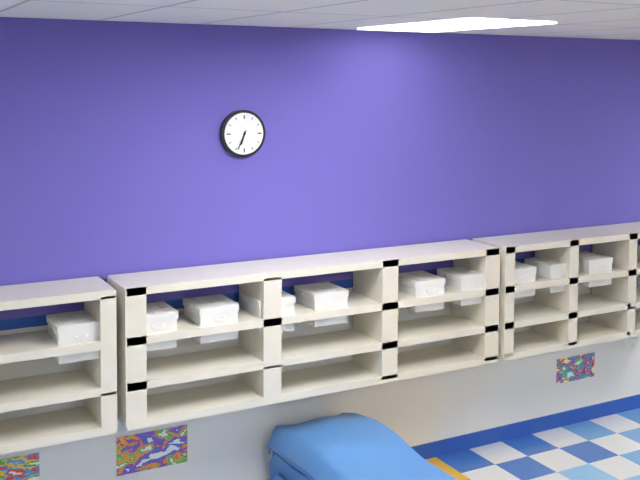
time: 6:34
